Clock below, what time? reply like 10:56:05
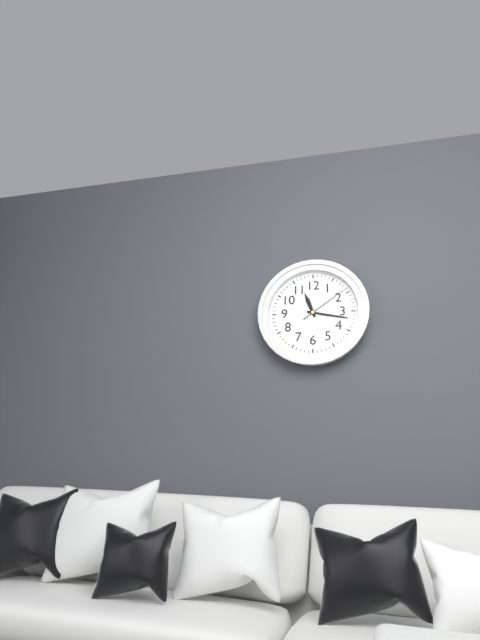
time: 11:17:09
